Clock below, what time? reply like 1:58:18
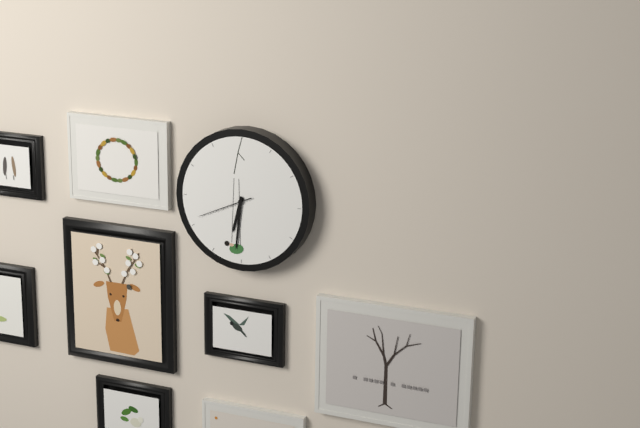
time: 6:31:41
